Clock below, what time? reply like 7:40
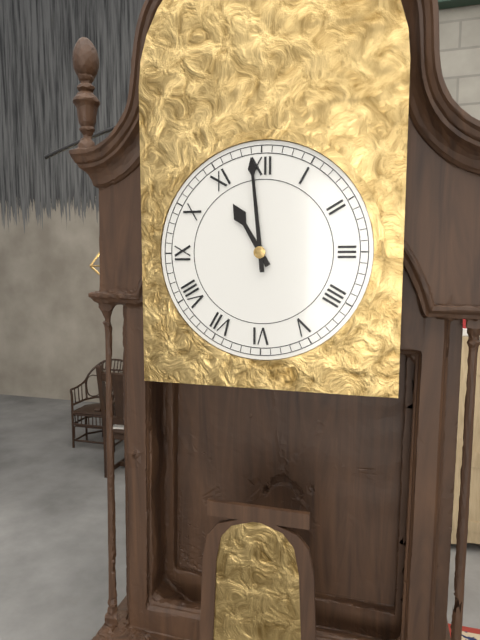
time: 10:59
